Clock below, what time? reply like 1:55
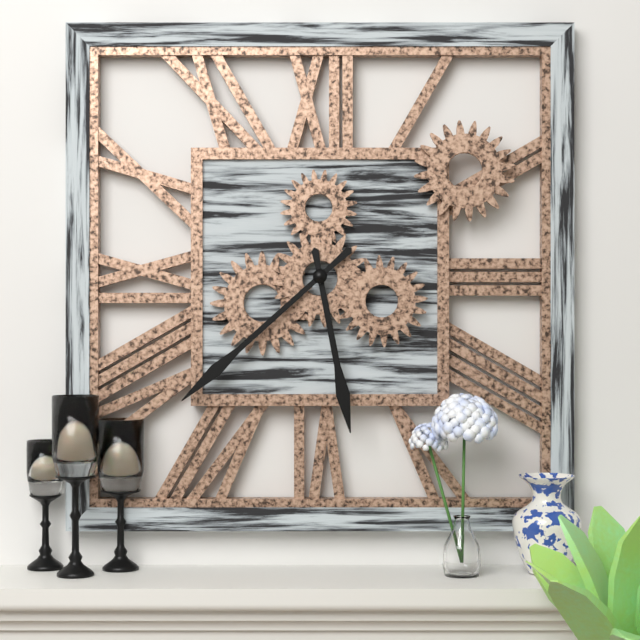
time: 5:38
